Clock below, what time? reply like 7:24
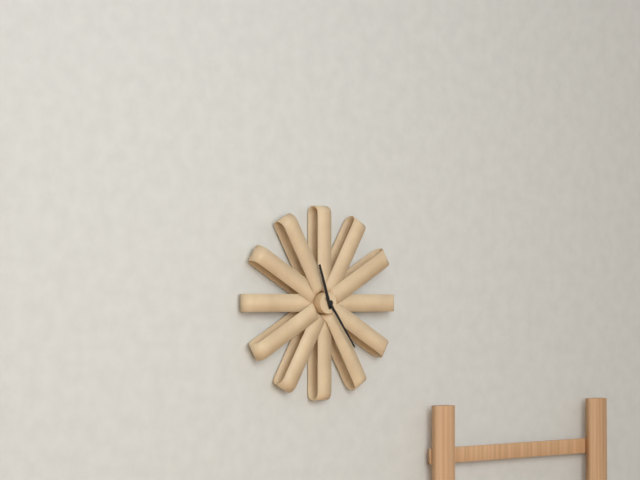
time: 11:24
